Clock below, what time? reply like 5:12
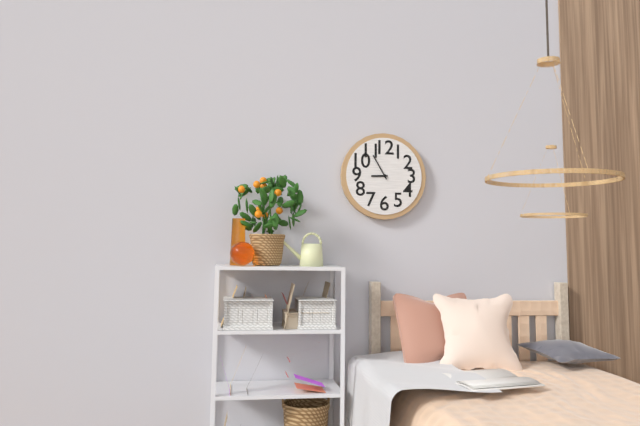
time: 8:55
